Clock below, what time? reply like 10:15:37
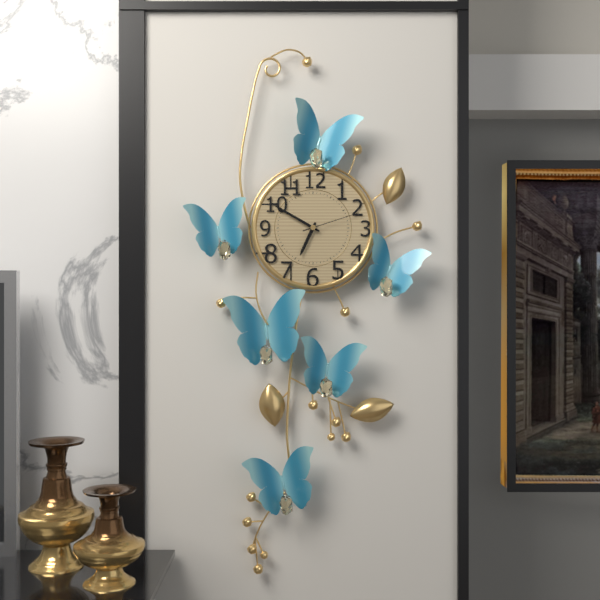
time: 6:50:12
